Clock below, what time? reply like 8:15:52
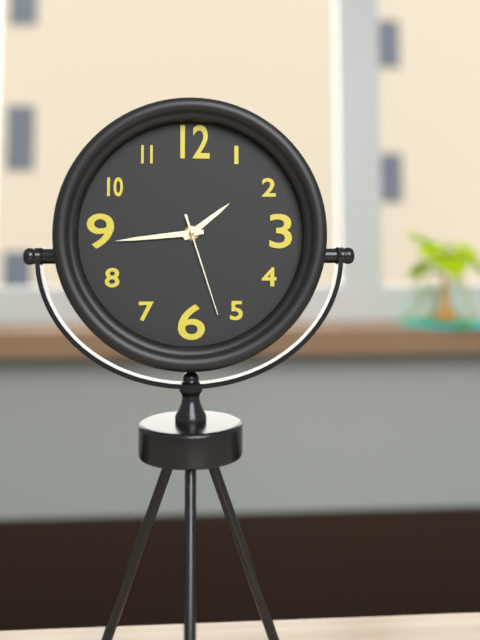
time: 1:44:27
